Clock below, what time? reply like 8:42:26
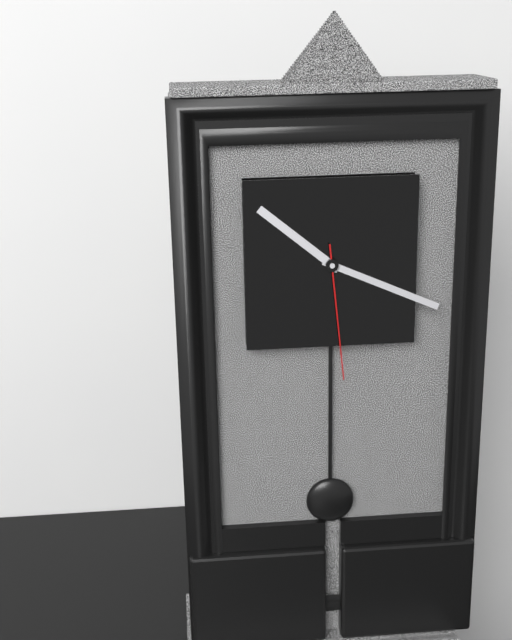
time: 10:19:29
